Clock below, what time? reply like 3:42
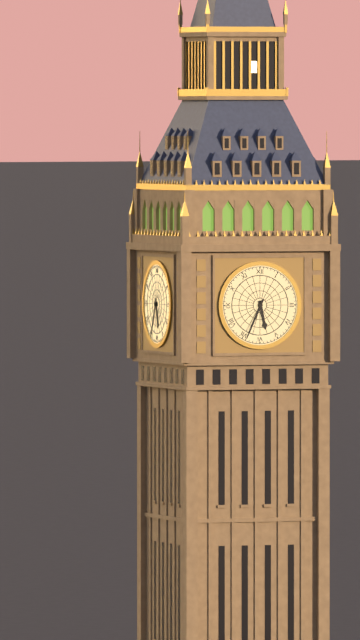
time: 5:34
